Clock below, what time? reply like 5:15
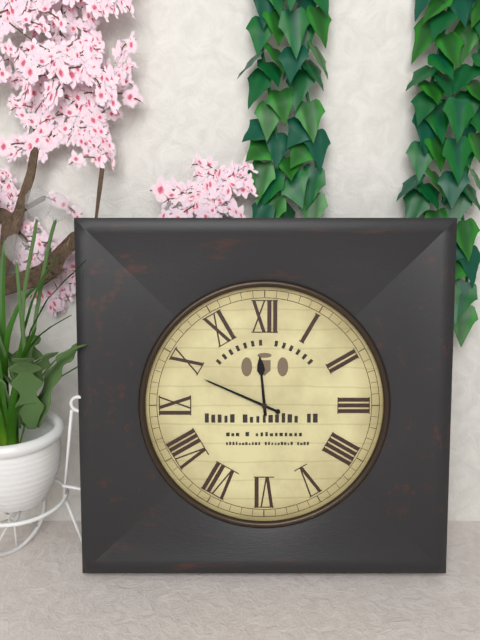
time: 11:49
